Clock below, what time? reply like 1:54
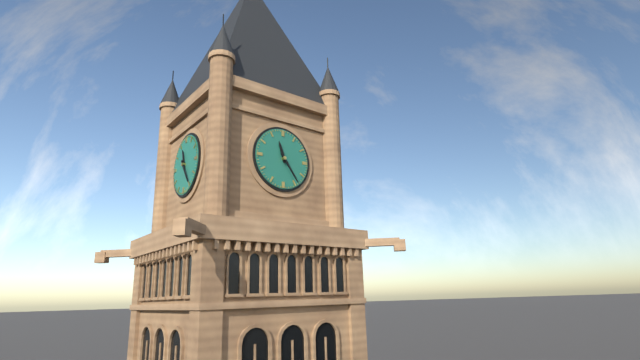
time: 11:24
